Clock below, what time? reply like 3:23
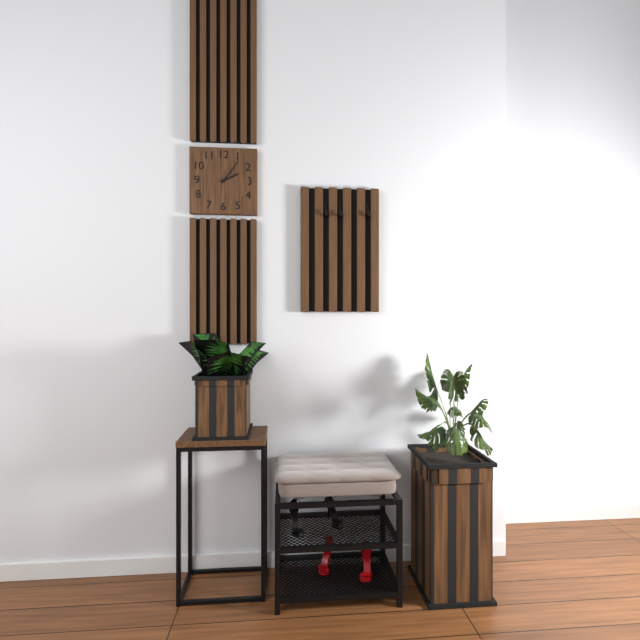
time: 2:06
